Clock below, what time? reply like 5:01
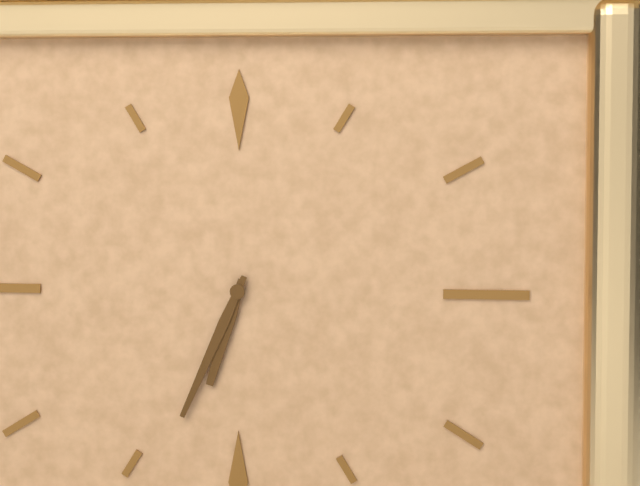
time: 6:34
